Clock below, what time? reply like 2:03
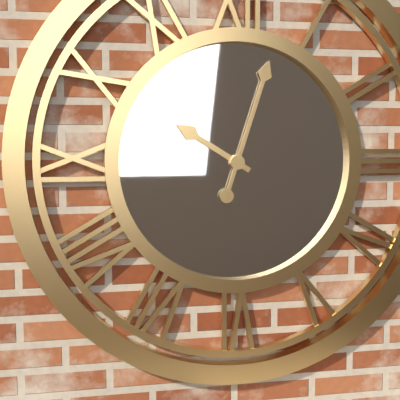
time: 10:03
